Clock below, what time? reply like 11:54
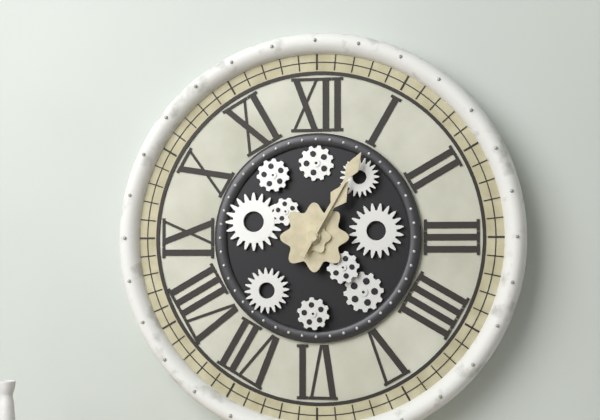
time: 1:05
